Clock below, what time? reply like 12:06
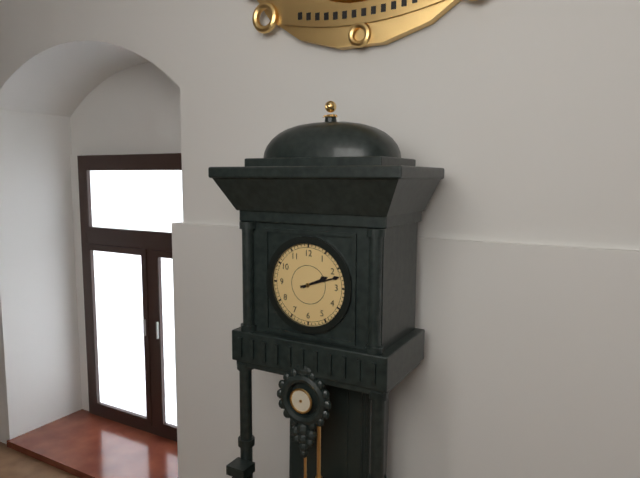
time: 2:12
